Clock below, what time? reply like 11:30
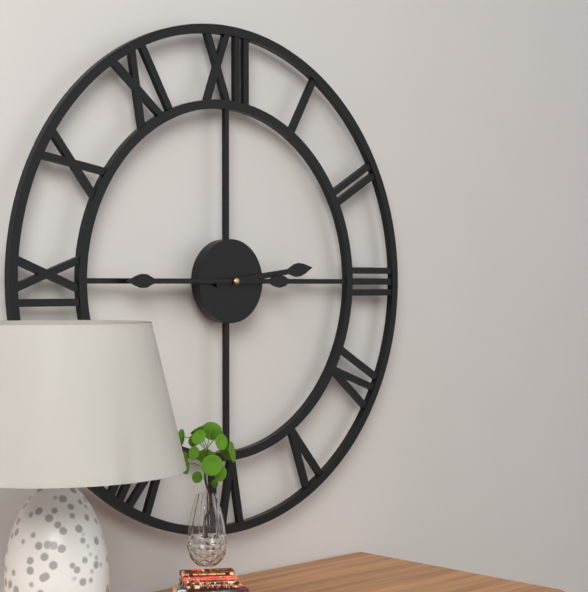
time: 2:45
